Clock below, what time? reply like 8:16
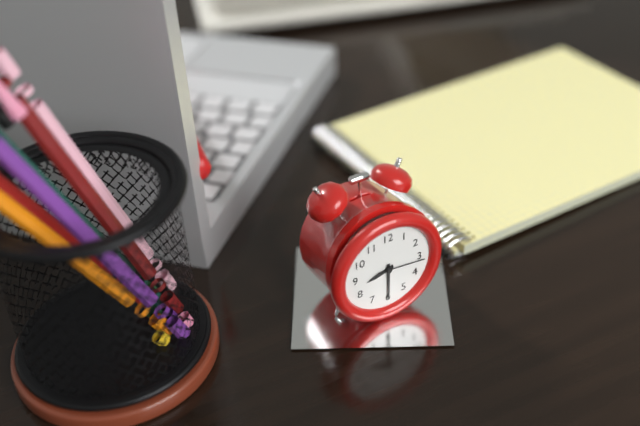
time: 8:30
